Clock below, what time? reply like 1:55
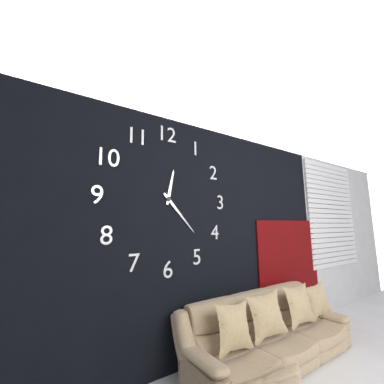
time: 12:23
